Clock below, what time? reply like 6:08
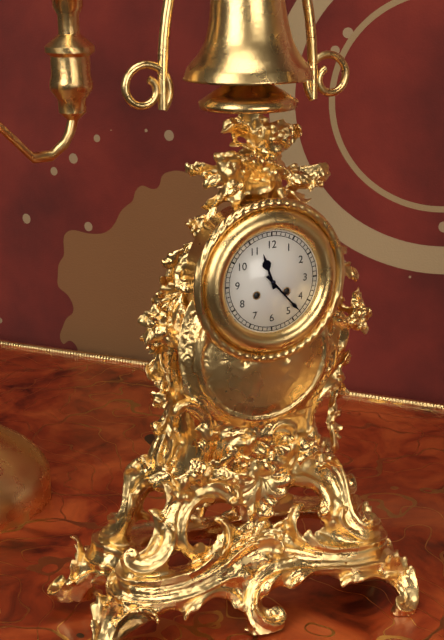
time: 11:23
